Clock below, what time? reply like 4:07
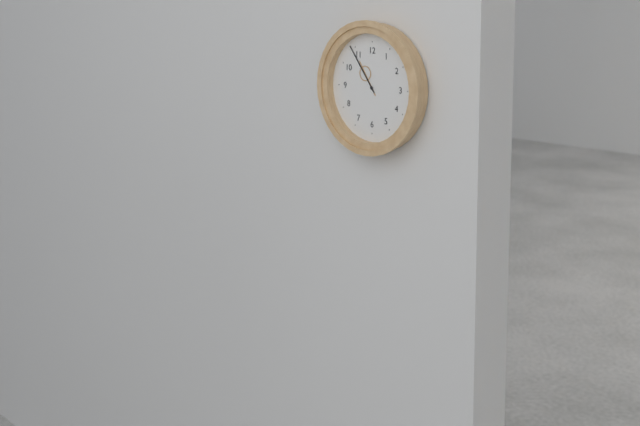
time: 10:54
